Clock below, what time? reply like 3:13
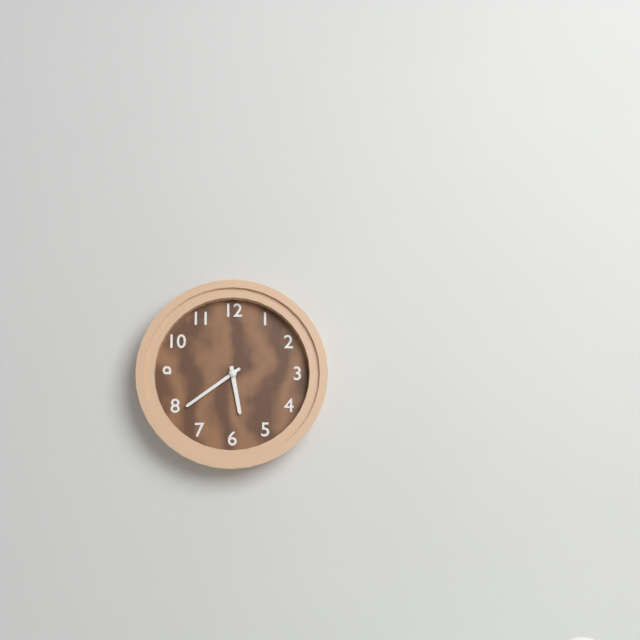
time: 5:39
